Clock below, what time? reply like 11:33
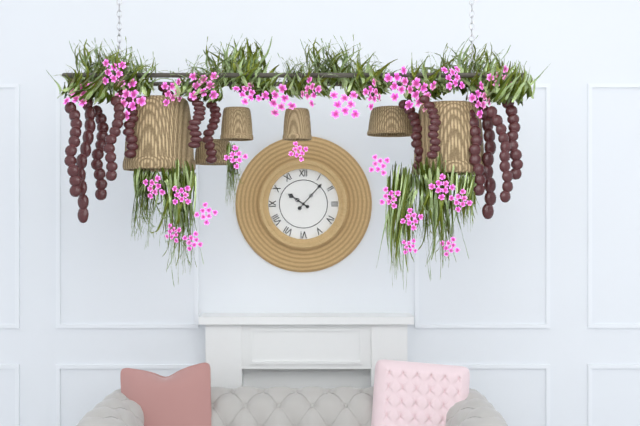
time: 10:07
